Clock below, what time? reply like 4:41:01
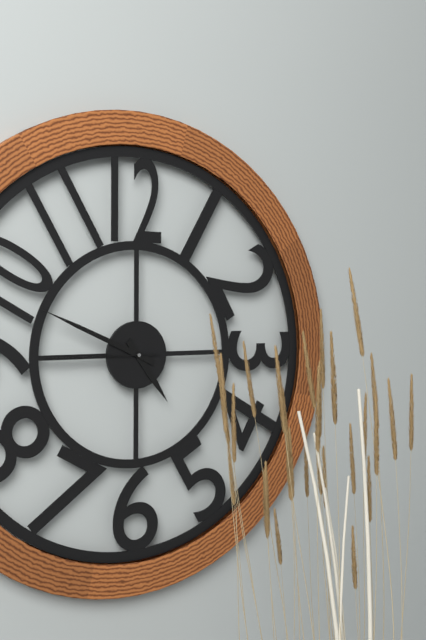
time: 4:49:45
